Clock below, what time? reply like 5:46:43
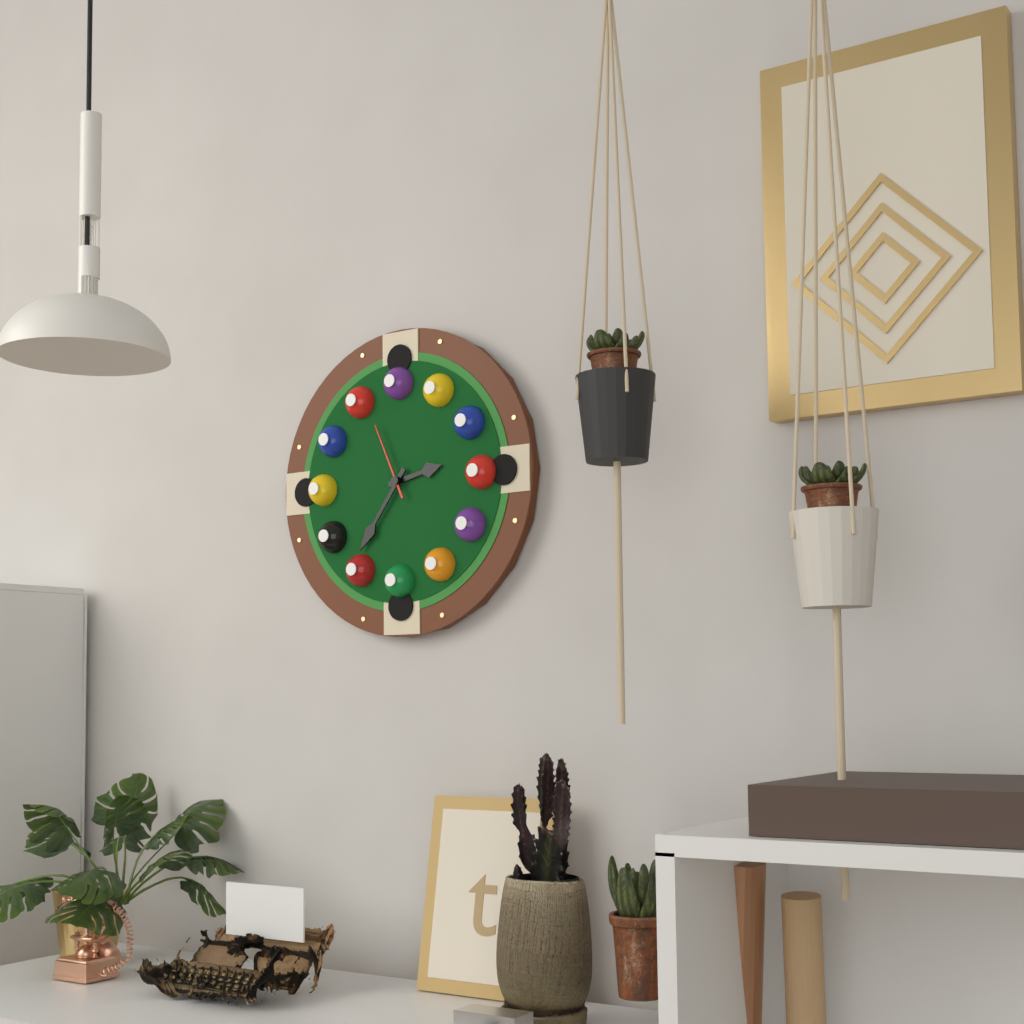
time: 2:36:56
